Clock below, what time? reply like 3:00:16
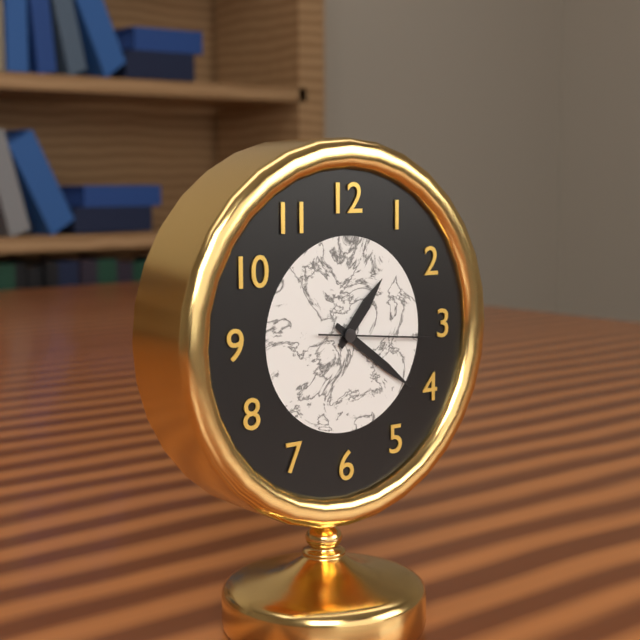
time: 1:21:16
